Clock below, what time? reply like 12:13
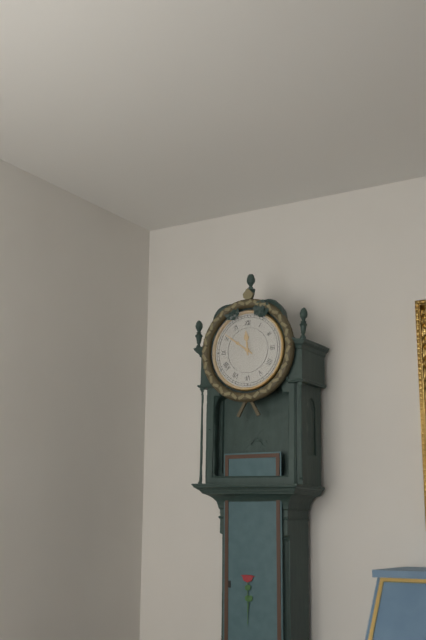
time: 11:51
